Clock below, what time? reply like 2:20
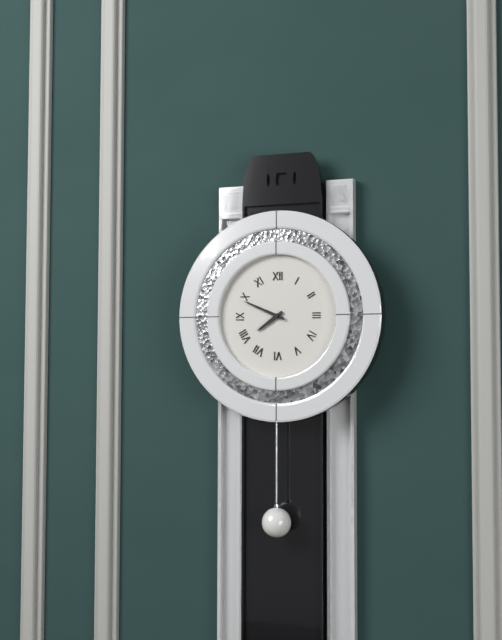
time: 7:49
